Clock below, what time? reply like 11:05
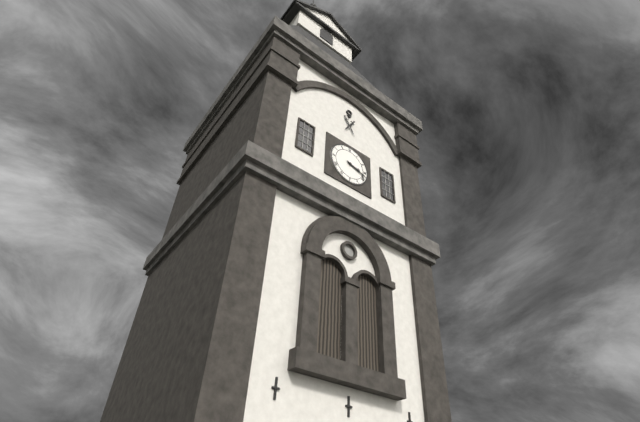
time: 3:18
